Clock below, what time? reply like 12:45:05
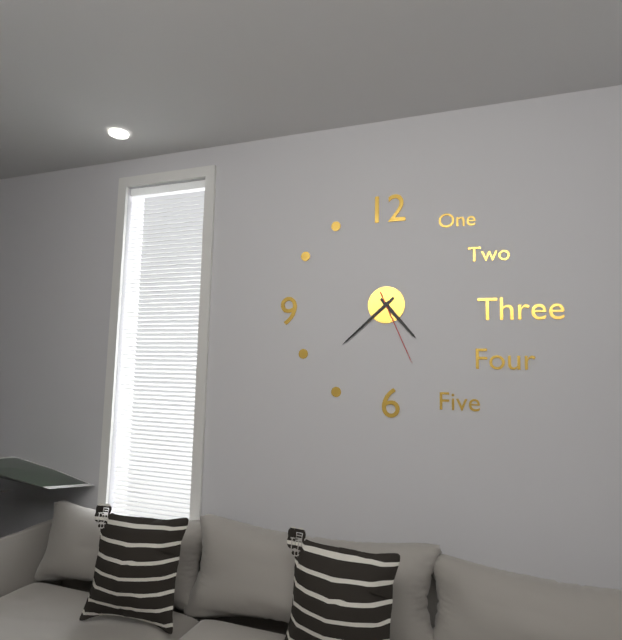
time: 4:38:26
